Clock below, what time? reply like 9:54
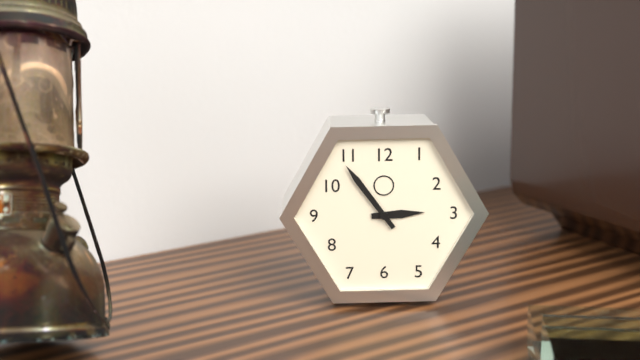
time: 2:54
